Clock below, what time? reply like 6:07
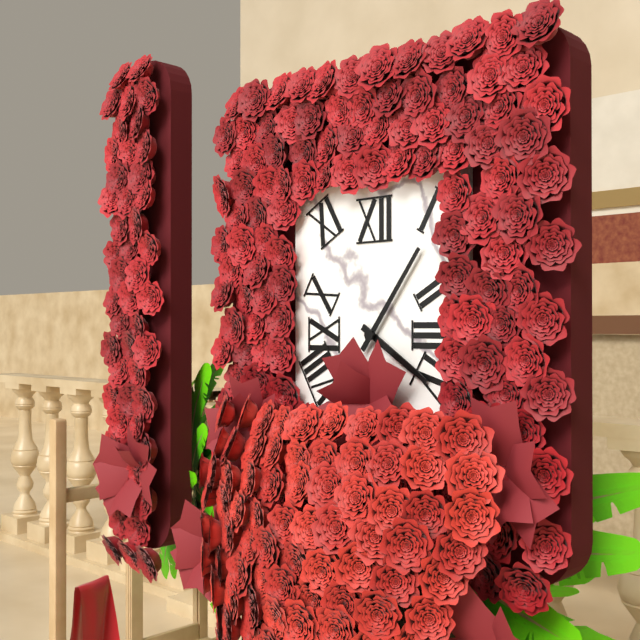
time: 4:06
